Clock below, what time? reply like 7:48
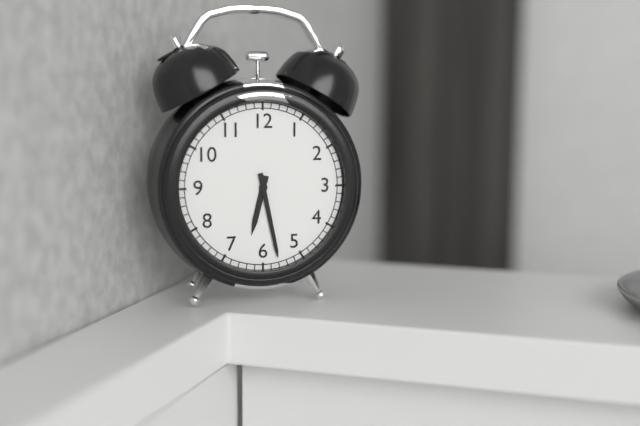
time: 6:28
